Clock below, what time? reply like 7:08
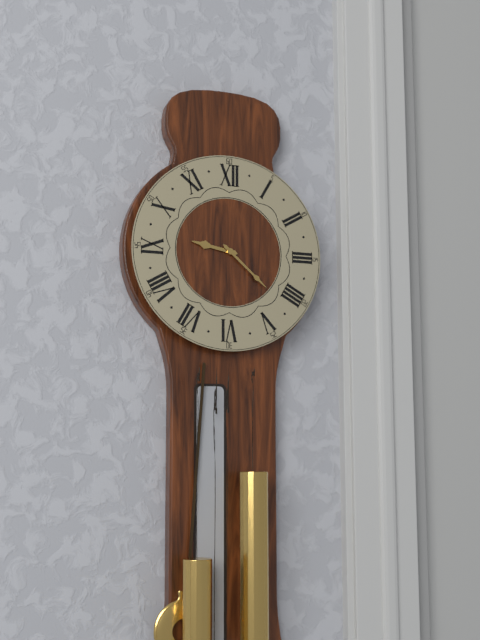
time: 9:22
